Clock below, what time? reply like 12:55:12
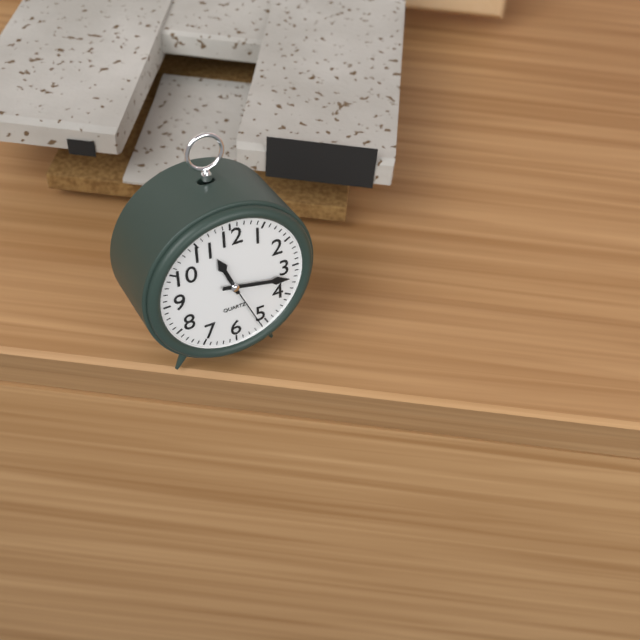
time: 11:17:26
